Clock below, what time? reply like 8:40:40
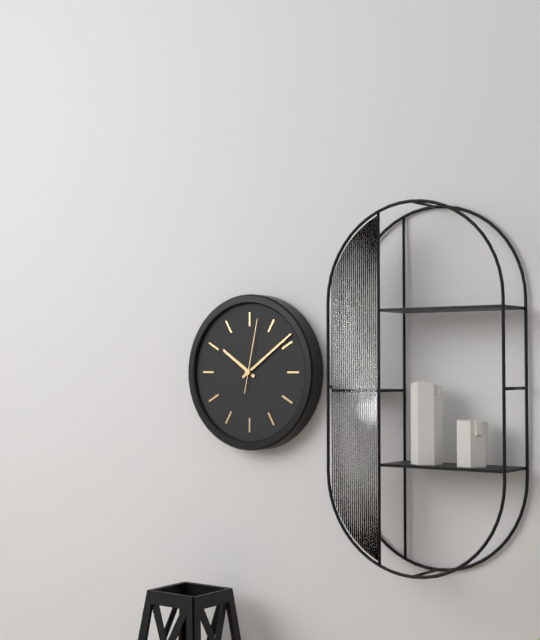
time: 10:09:02
